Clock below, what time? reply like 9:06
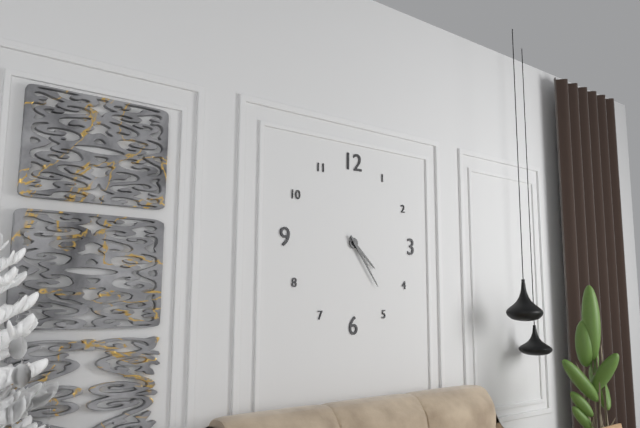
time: 4:24
